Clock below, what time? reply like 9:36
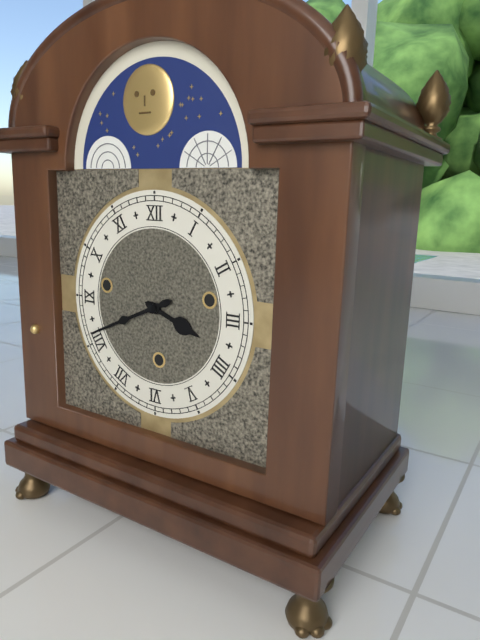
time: 3:41
